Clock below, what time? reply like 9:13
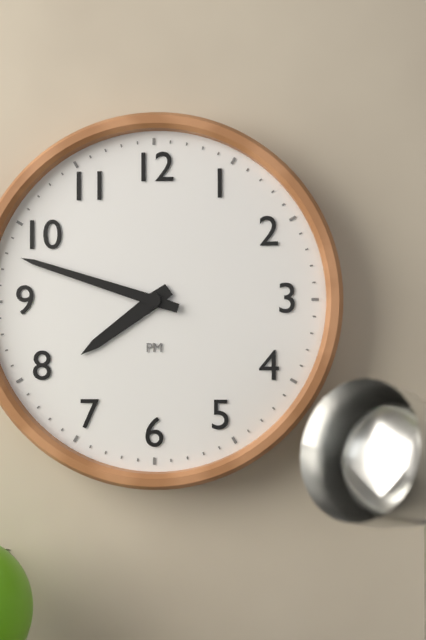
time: 7:48
